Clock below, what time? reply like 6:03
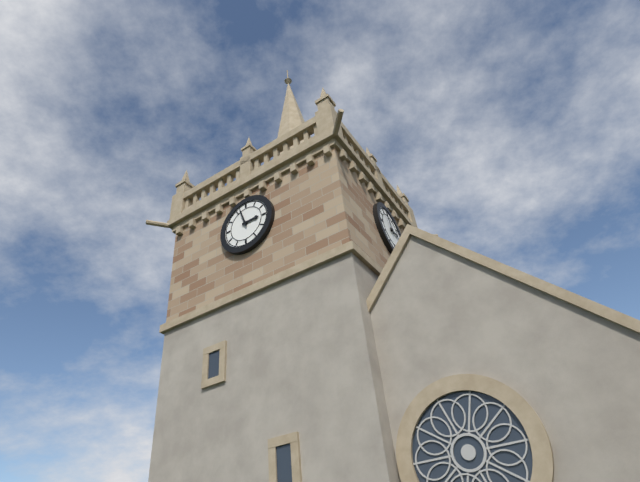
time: 2:57
